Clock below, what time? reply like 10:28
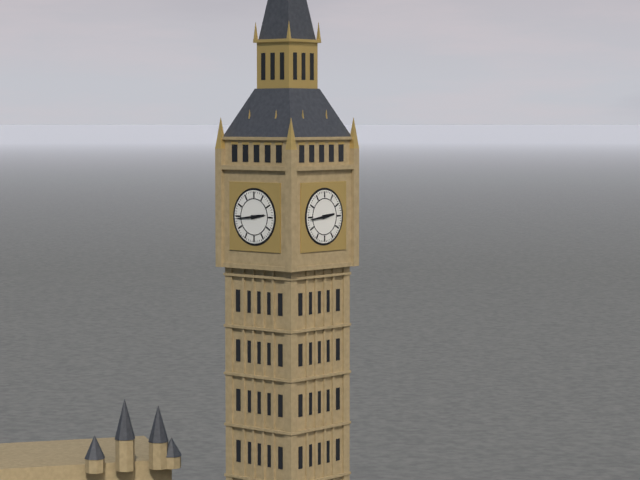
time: 2:44
